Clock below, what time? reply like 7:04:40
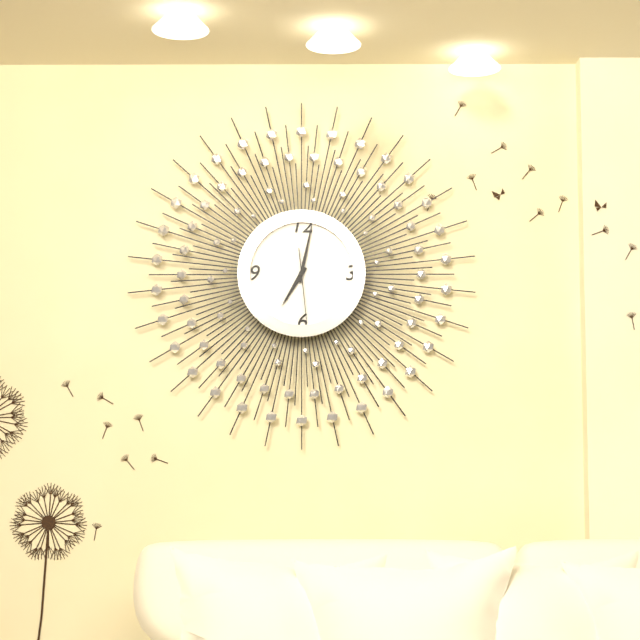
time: 7:02:29
